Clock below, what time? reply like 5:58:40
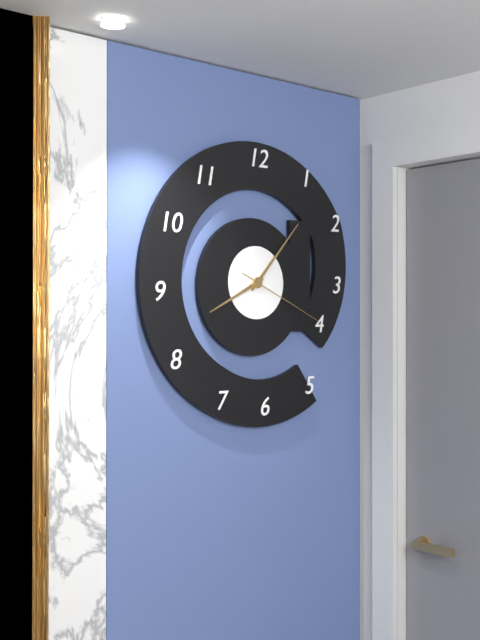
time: 8:07:19
